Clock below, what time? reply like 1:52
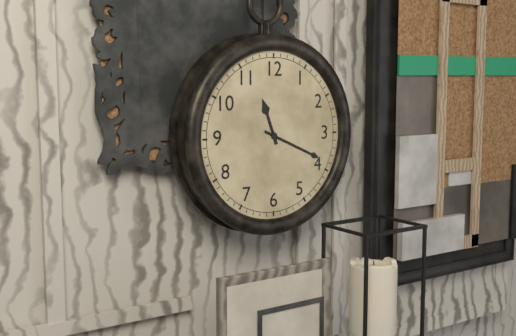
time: 11:19
